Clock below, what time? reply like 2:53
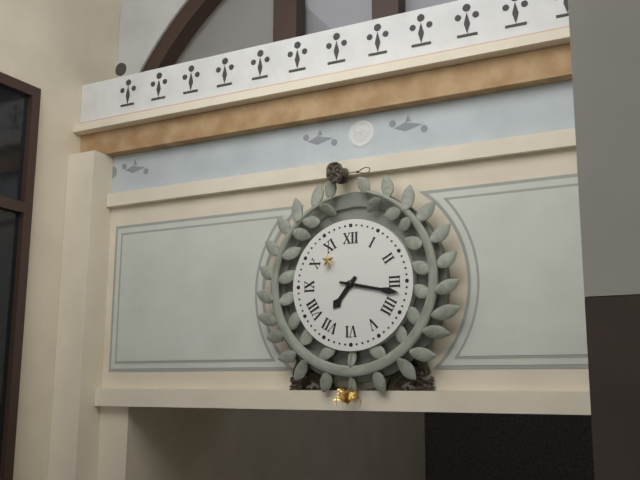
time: 7:17
